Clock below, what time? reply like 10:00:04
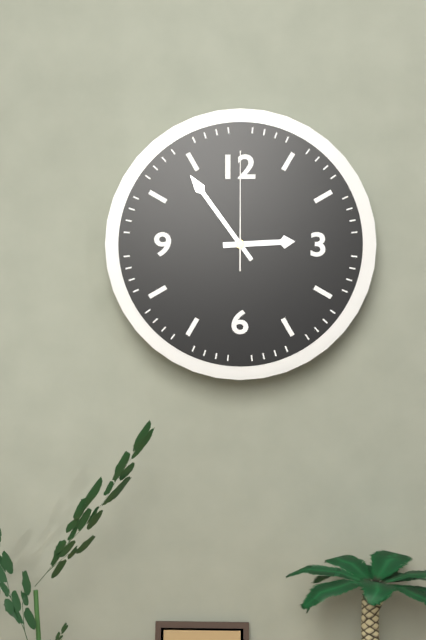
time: 2:54:00
